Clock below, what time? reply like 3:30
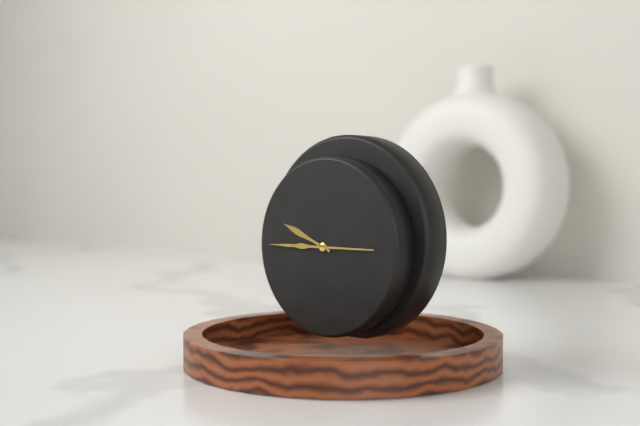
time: 9:45
